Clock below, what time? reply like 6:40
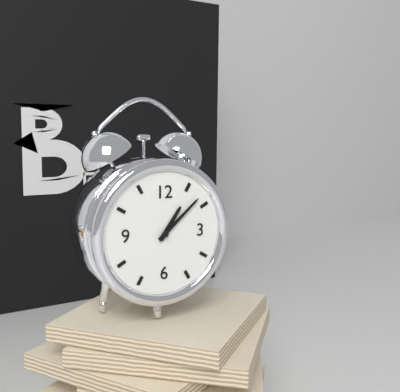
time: 1:08
